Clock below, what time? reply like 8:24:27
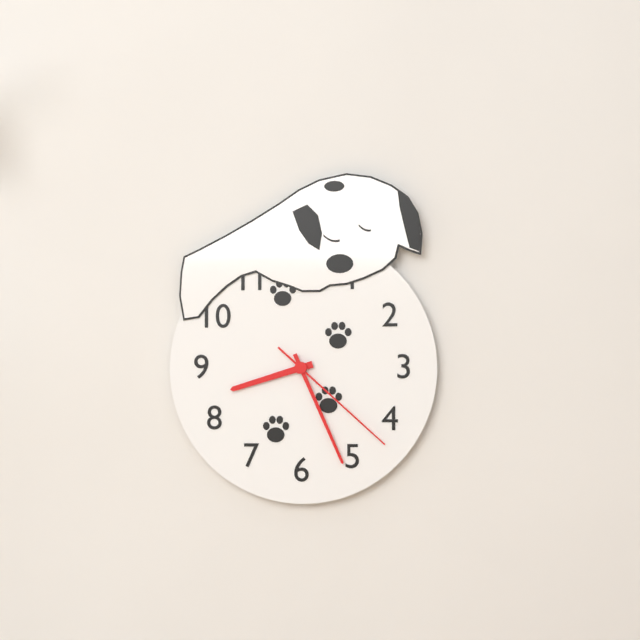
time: 8:26:22
